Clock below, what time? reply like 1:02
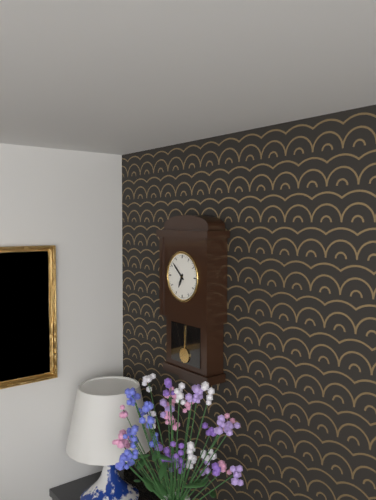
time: 6:52
